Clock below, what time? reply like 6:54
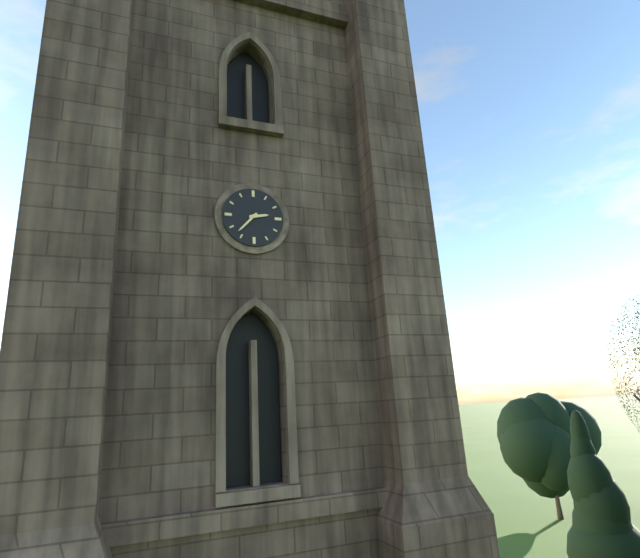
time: 2:37
